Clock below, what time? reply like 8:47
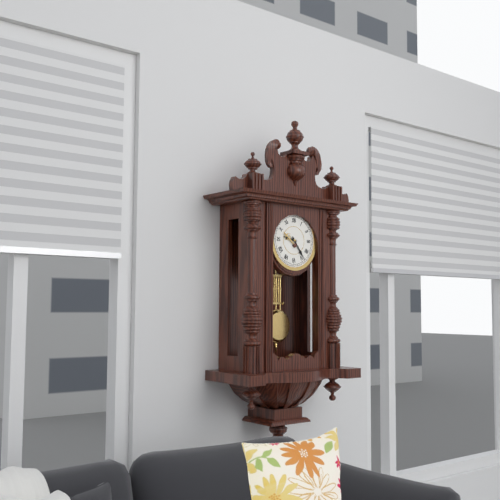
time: 9:24
